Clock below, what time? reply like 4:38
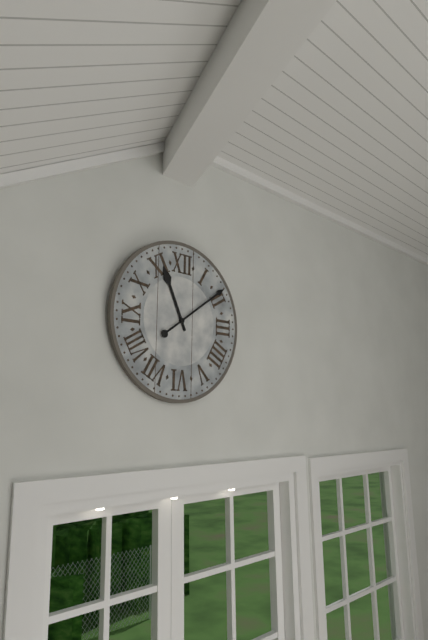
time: 11:09
